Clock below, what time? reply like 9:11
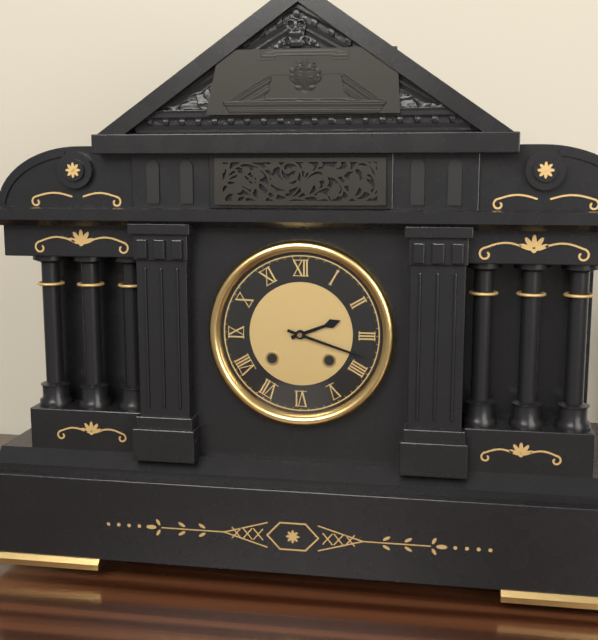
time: 2:18
